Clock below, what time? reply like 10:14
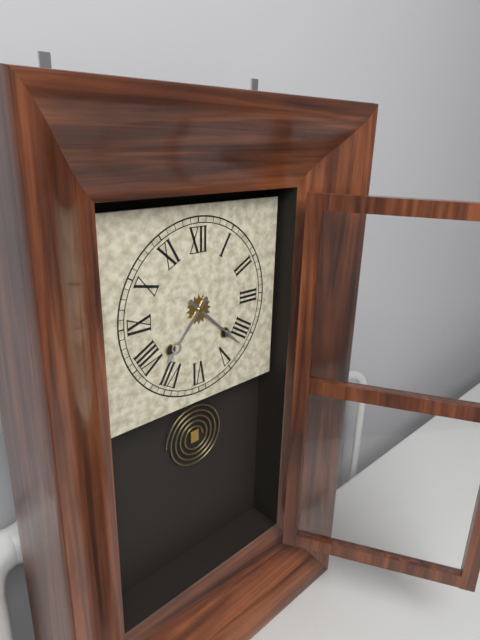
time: 7:22
